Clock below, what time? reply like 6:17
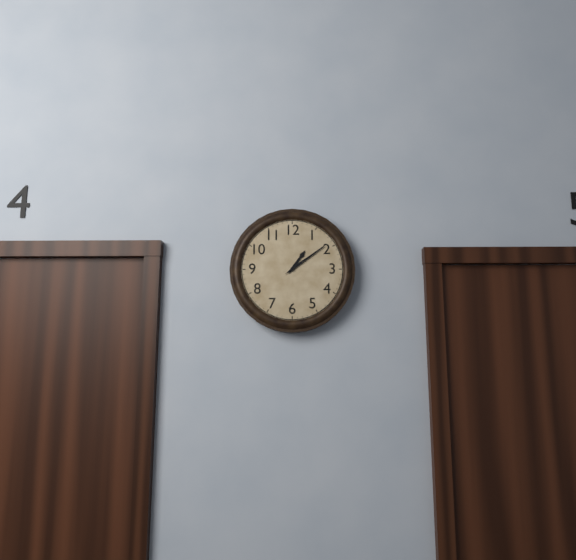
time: 1:09
